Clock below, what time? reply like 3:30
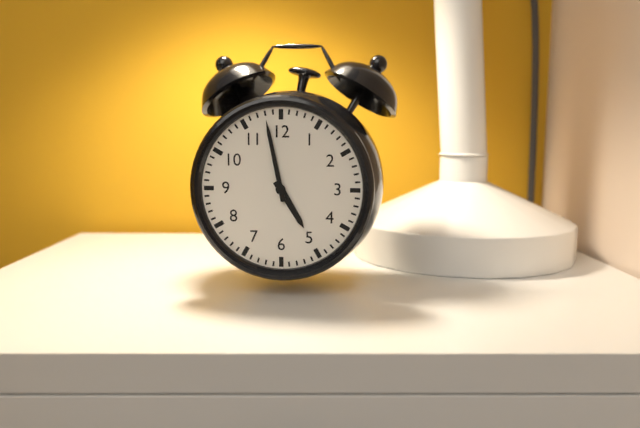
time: 4:58
